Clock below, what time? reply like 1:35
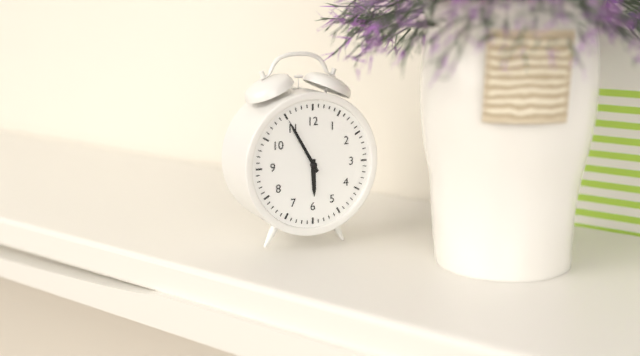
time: 5:55
